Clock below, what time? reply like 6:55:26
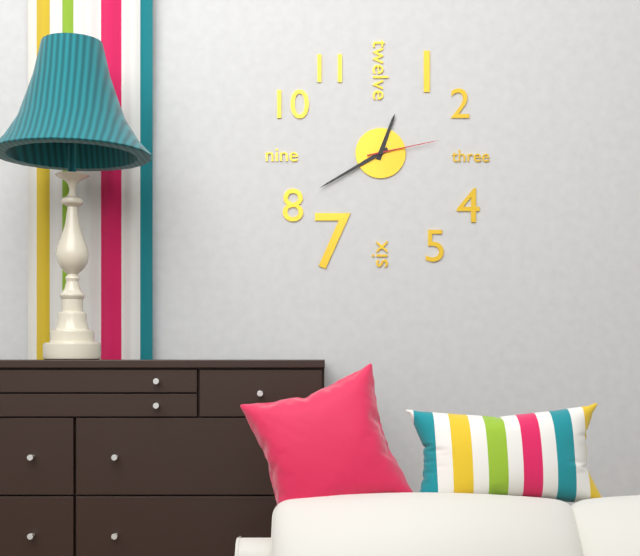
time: 12:40:13
